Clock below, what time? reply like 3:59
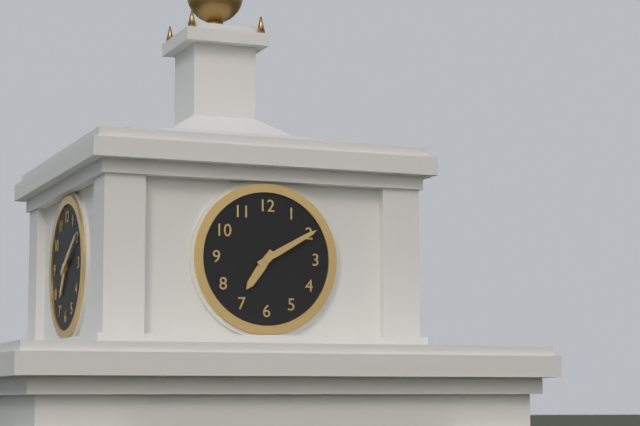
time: 7:10
